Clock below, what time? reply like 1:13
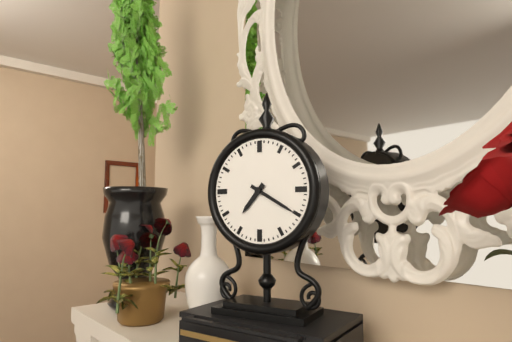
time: 7:20
